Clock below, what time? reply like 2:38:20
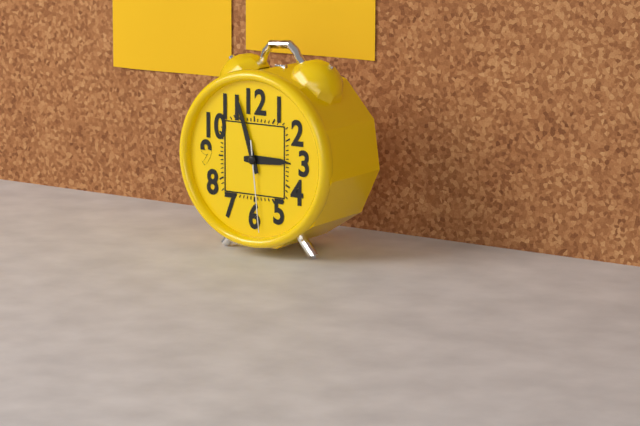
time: 2:57:29
